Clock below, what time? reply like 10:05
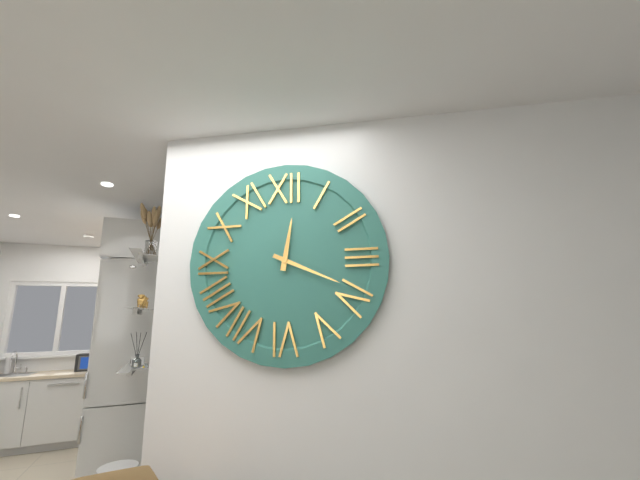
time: 12:19
